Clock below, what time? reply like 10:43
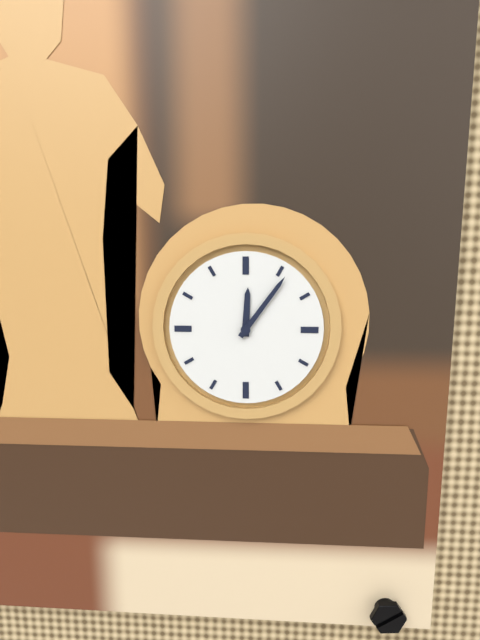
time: 12:06
